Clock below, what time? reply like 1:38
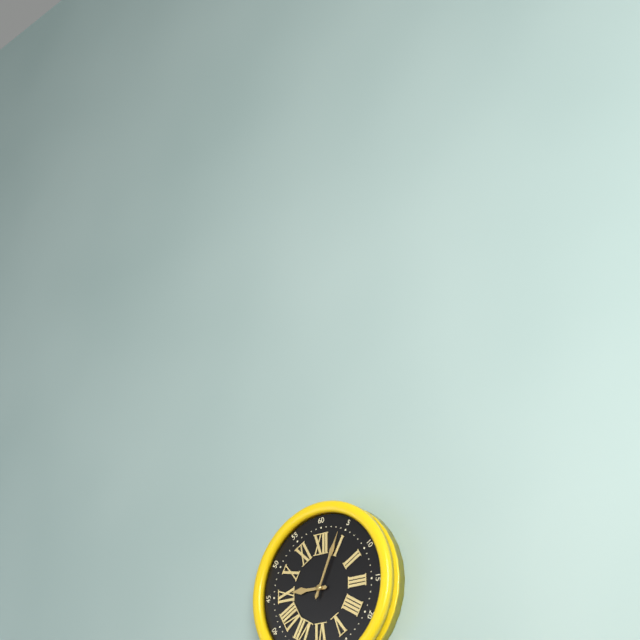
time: 9:04
